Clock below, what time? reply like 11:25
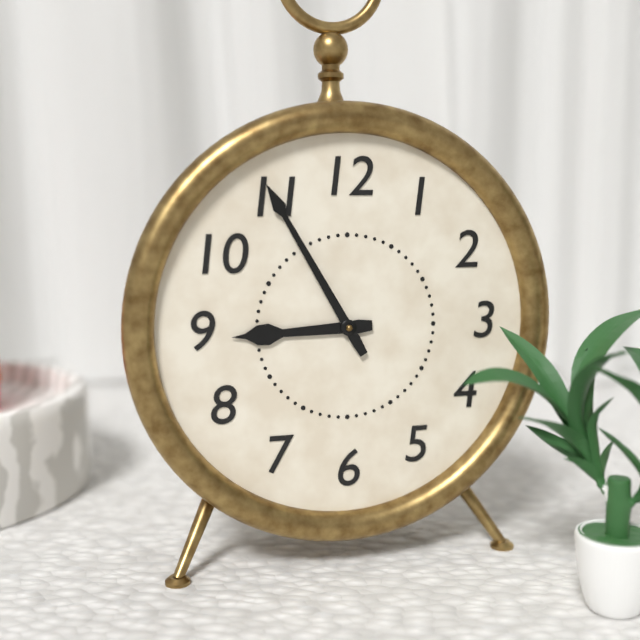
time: 8:55
